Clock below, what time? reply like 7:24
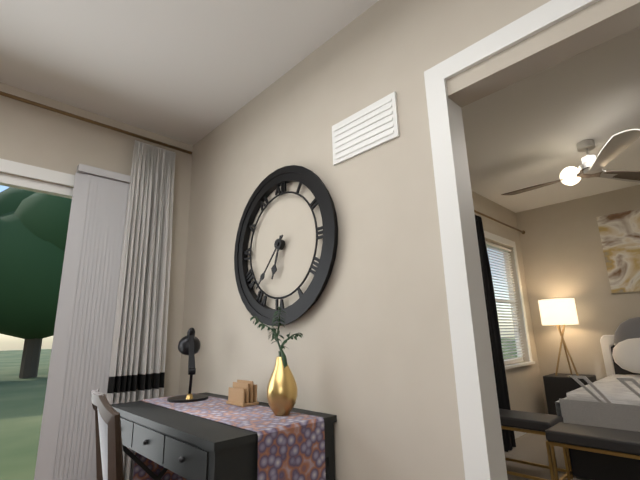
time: 6:37
